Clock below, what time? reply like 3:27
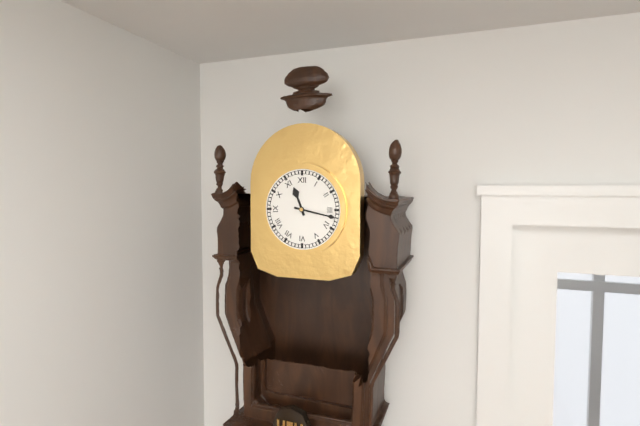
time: 11:17
